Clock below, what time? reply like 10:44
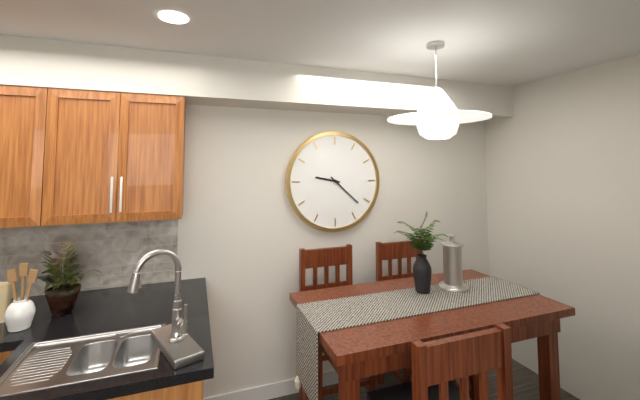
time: 9:22
